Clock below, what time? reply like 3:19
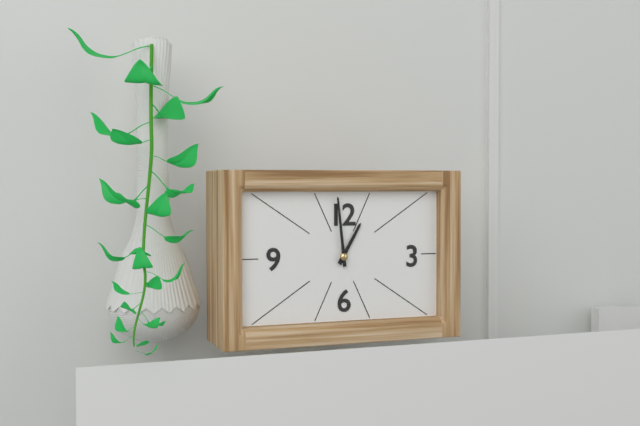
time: 12:59
